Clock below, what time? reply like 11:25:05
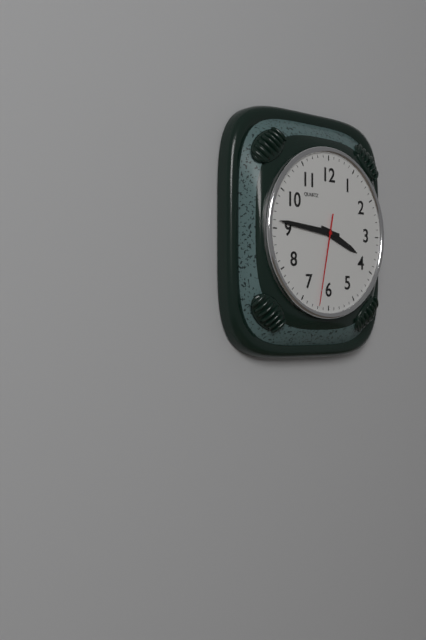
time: 3:46:32
